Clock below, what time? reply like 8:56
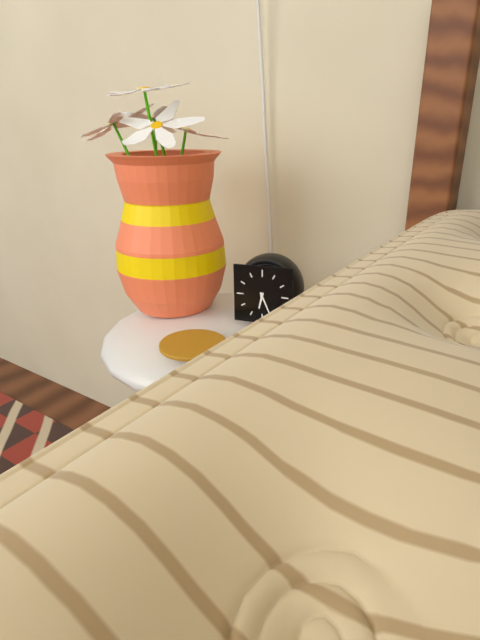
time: 6:26
